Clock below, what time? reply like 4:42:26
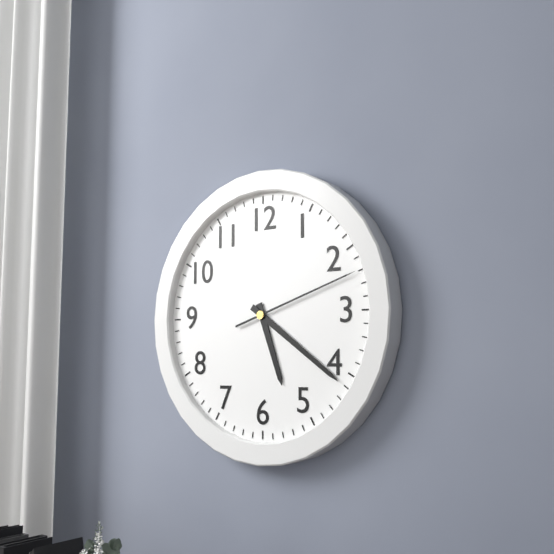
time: 5:21:12
